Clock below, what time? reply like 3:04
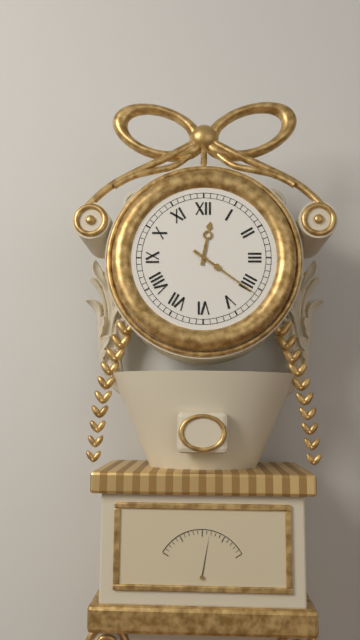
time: 12:21
